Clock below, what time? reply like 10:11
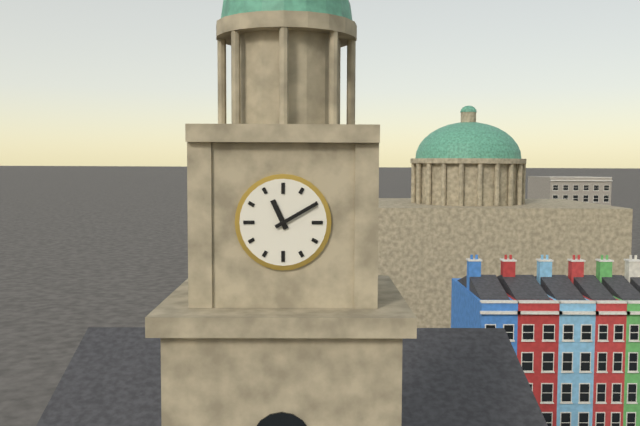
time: 11:10
